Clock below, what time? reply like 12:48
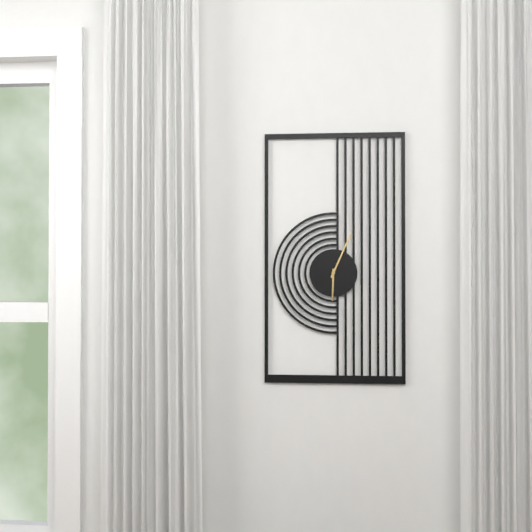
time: 6:04
